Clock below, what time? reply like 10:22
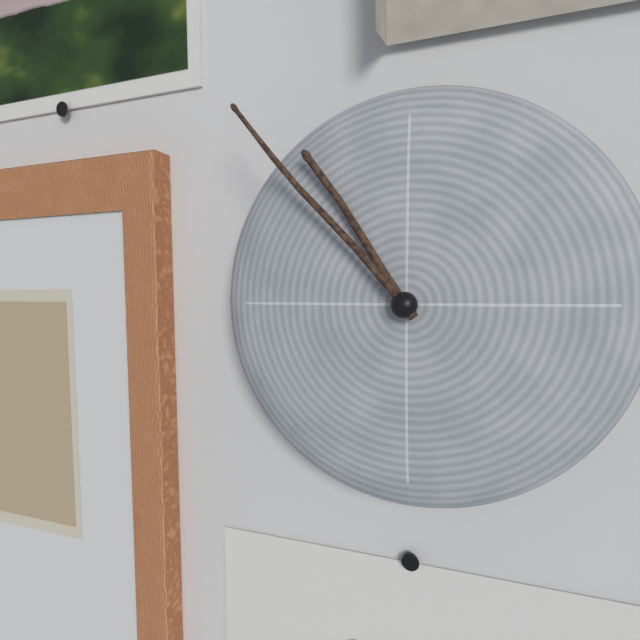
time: 10:53
